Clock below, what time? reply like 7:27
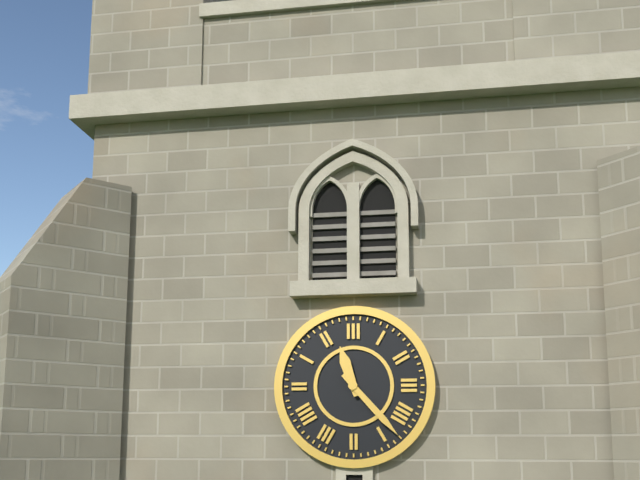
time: 11:23
